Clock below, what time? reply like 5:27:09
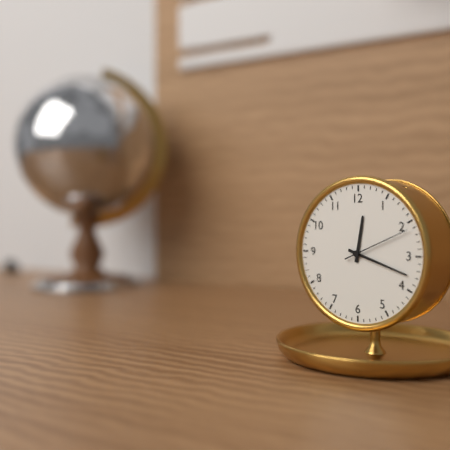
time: 12:18:11
